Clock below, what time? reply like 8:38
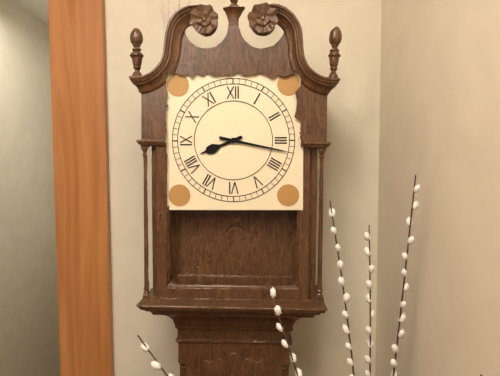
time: 8:17
